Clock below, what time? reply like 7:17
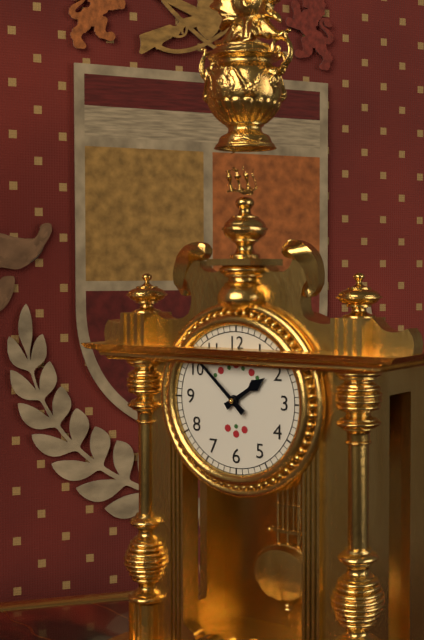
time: 1:52
